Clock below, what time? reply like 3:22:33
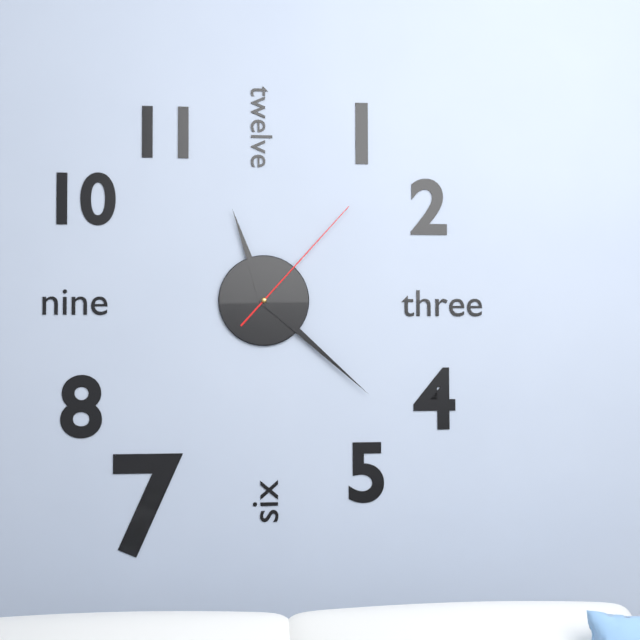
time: 11:22:07
